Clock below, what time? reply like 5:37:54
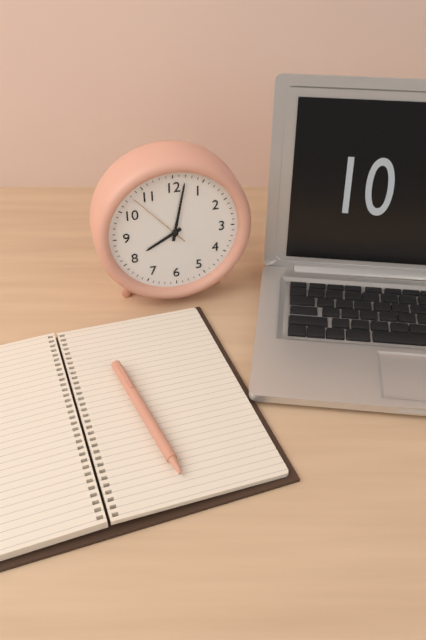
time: 8:02:53
